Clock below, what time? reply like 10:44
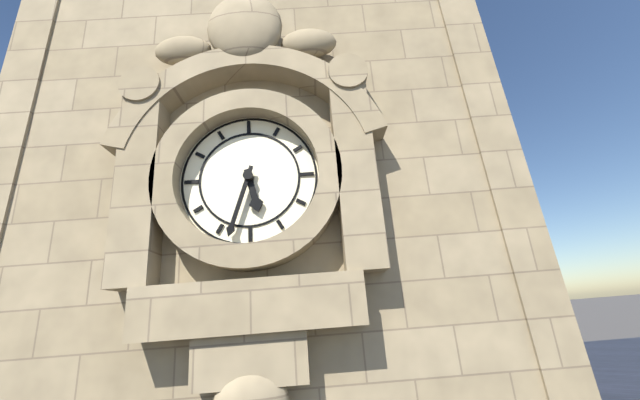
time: 5:33
